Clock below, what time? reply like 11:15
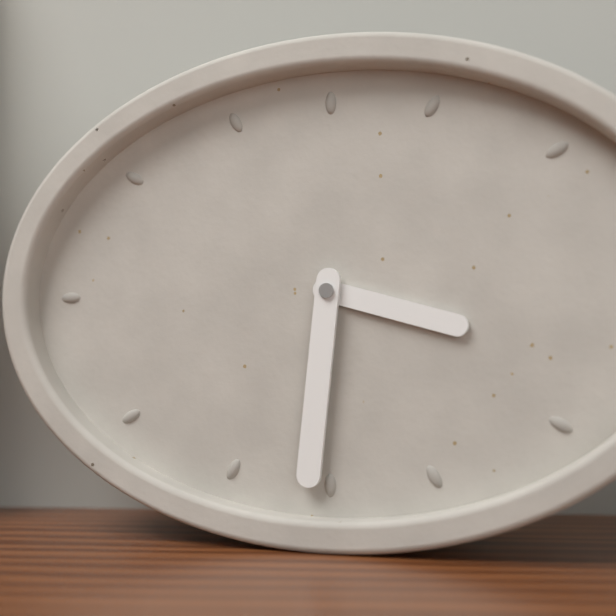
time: 3:31
